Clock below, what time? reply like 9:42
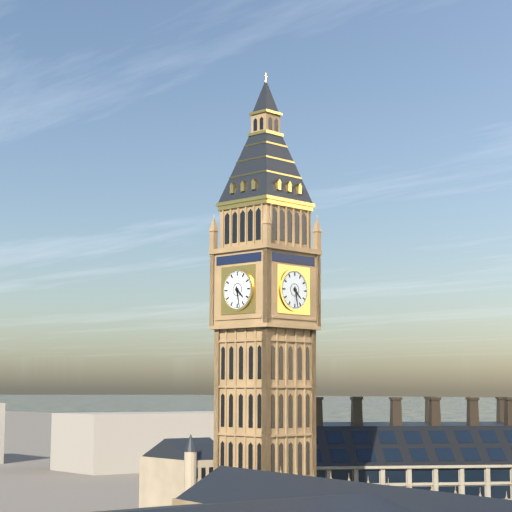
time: 4:28
